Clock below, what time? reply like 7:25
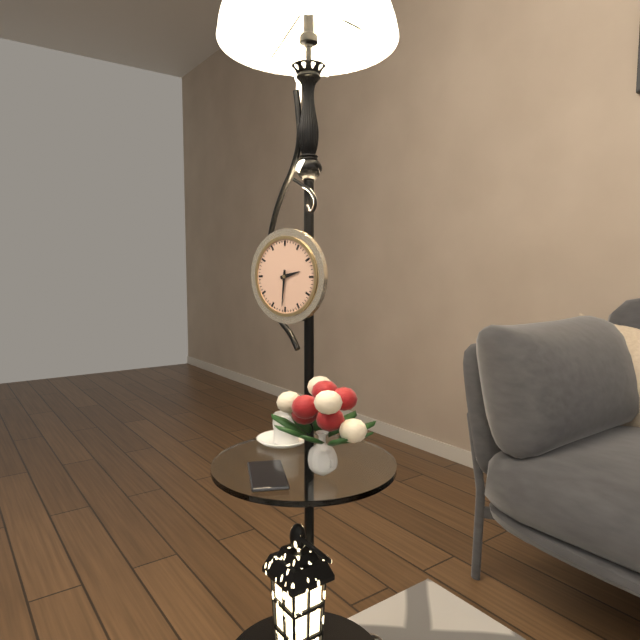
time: 2:31
